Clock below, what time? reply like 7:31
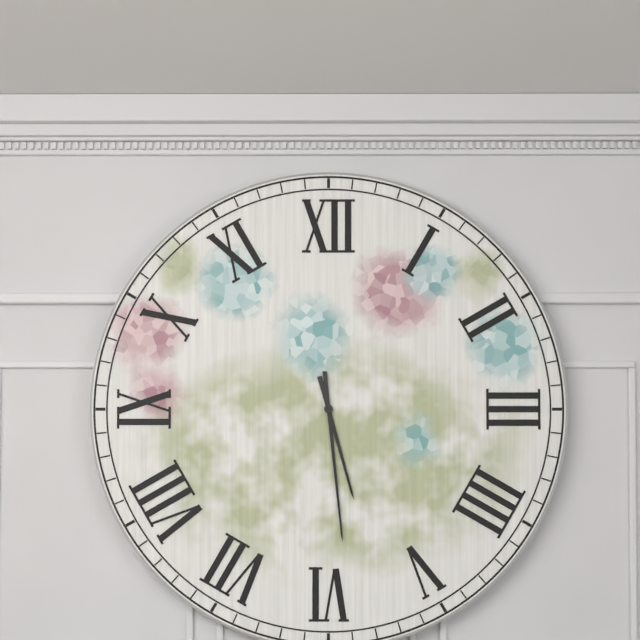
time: 5:29
